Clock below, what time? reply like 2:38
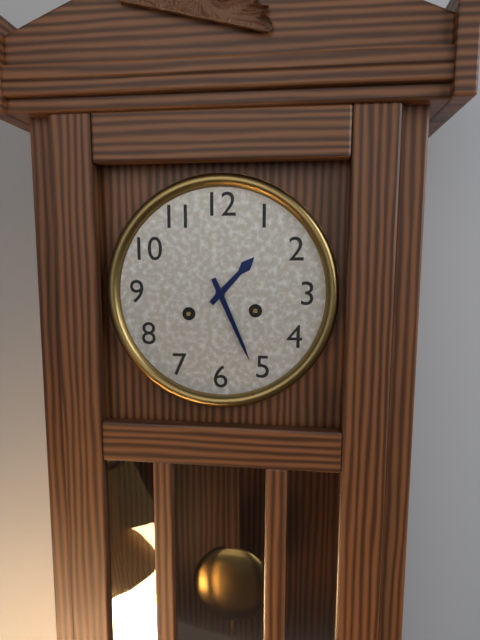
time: 1:26
